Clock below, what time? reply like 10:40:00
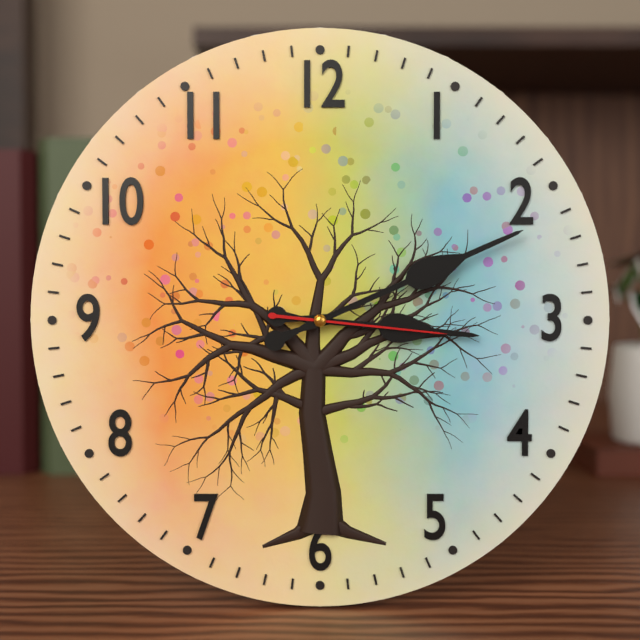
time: 3:11:16
